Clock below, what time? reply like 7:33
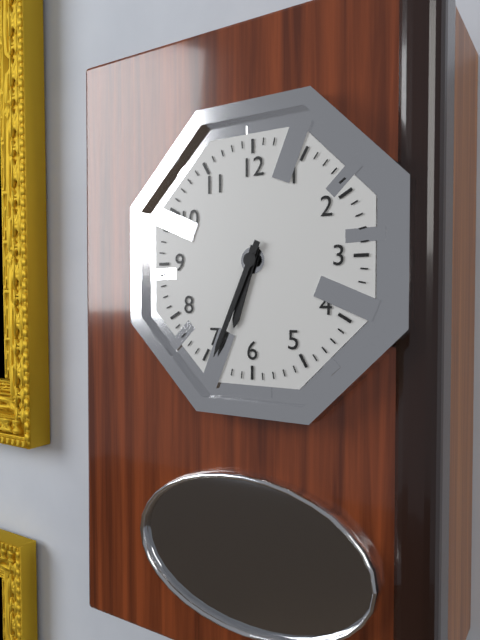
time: 6:34
